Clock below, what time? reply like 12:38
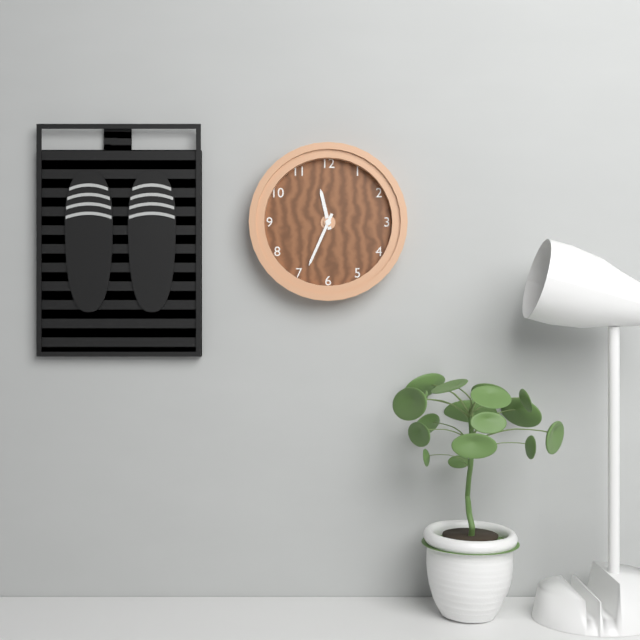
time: 11:34
